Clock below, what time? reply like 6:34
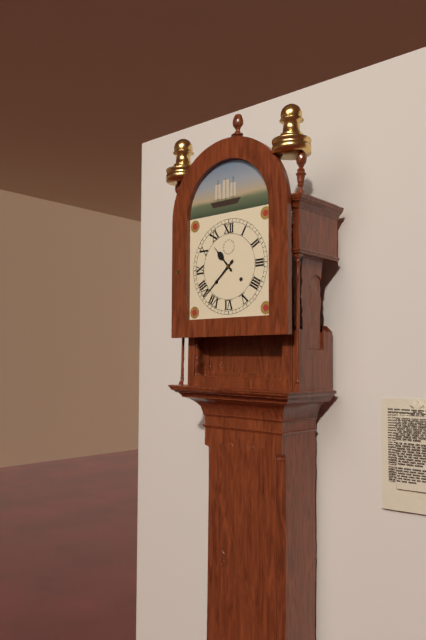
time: 10:38
